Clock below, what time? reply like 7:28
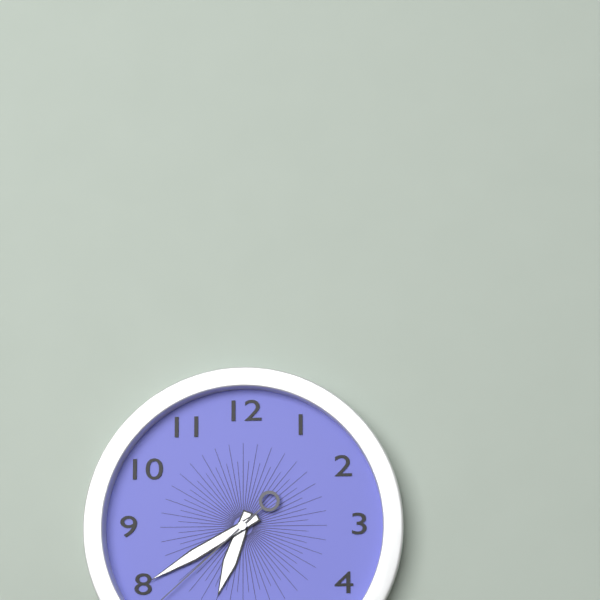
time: 6:40
